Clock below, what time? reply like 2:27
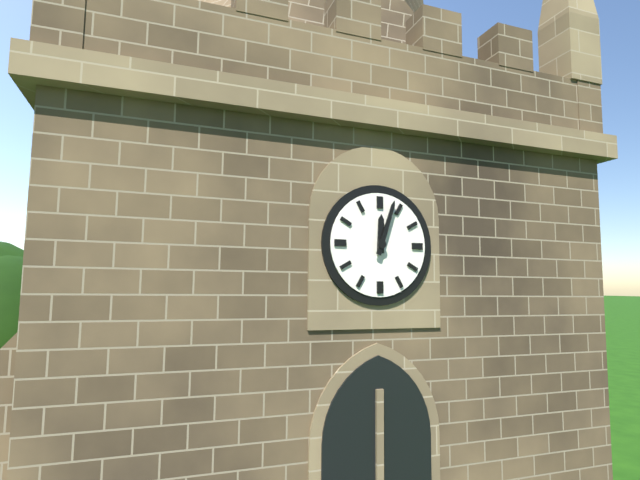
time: 12:03
